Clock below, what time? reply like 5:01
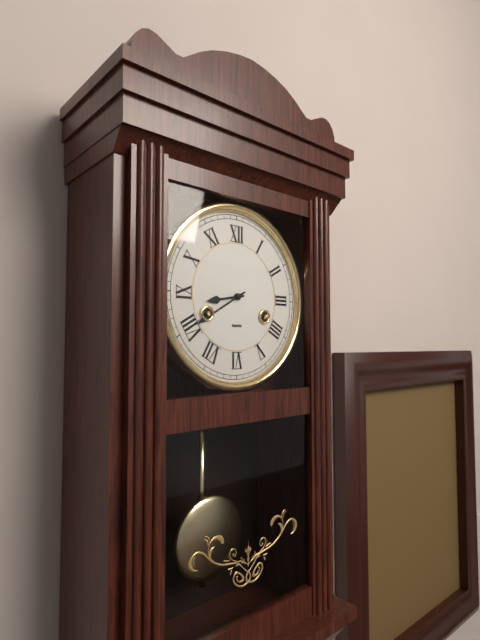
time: 8:40
